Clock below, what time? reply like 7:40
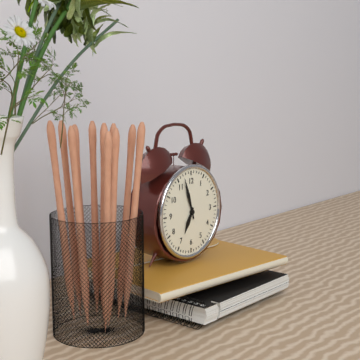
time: 6:57
